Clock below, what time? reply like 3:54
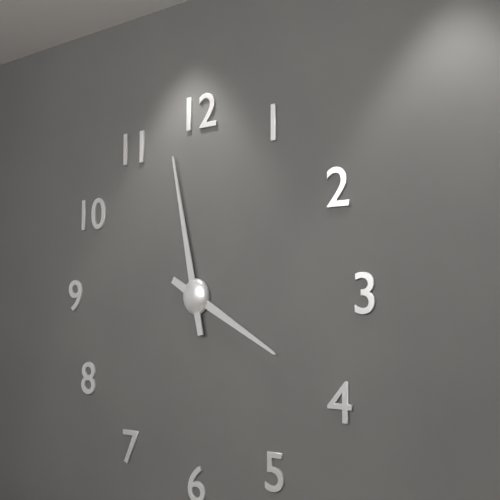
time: 3:58
